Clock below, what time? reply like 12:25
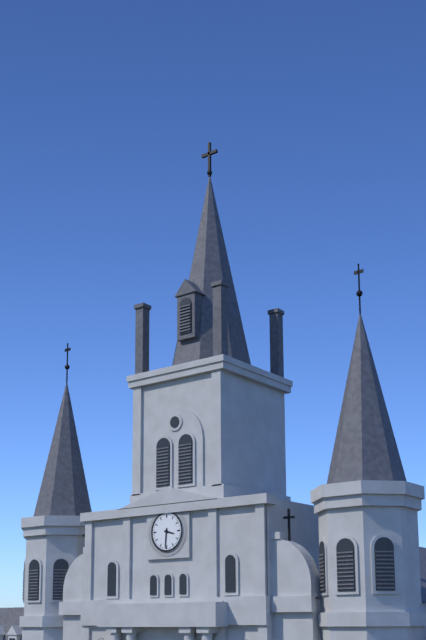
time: 3:31
